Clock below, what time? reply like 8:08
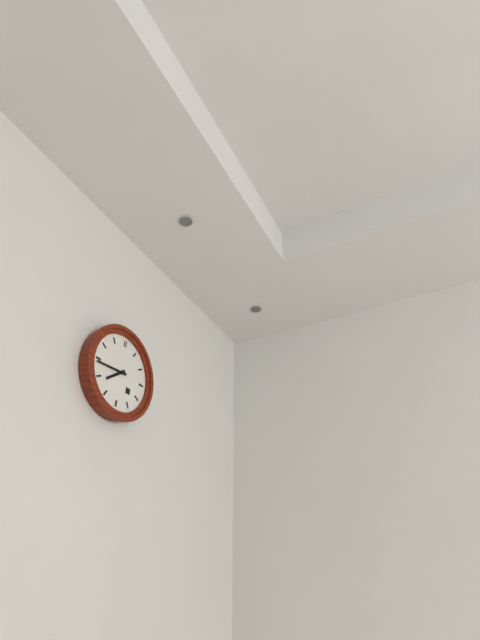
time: 7:44
